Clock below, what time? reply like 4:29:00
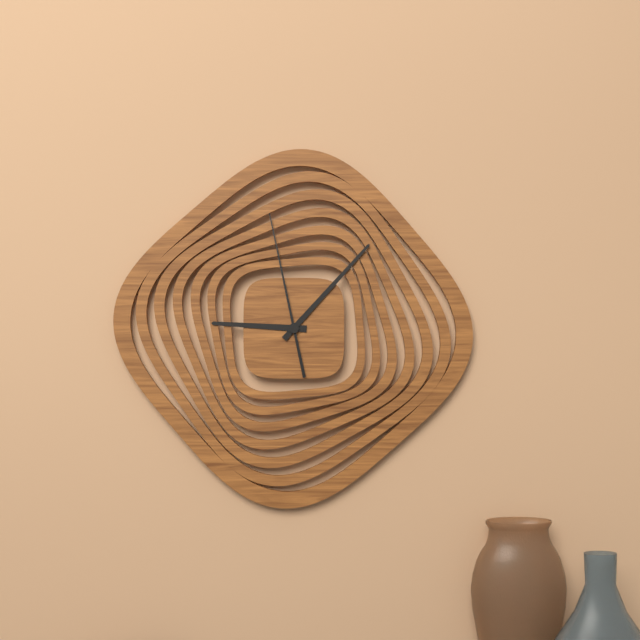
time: 9:07:58
